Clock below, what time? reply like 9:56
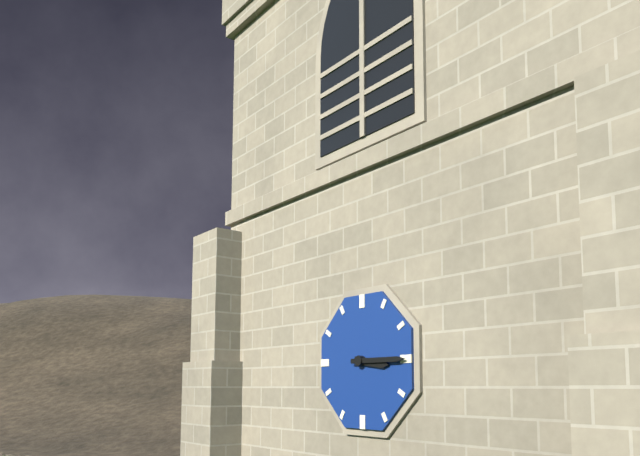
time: 3:15
